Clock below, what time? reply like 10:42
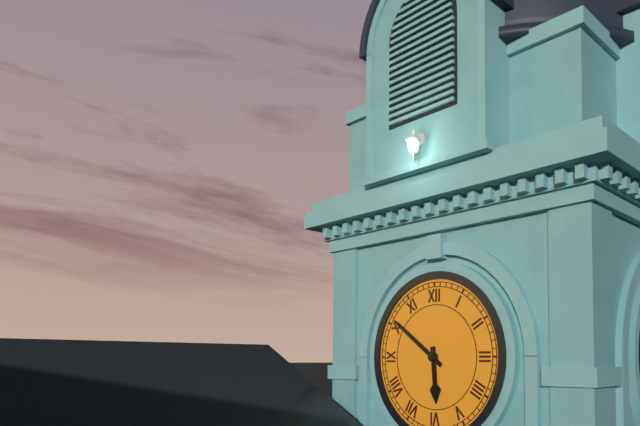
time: 5:51
